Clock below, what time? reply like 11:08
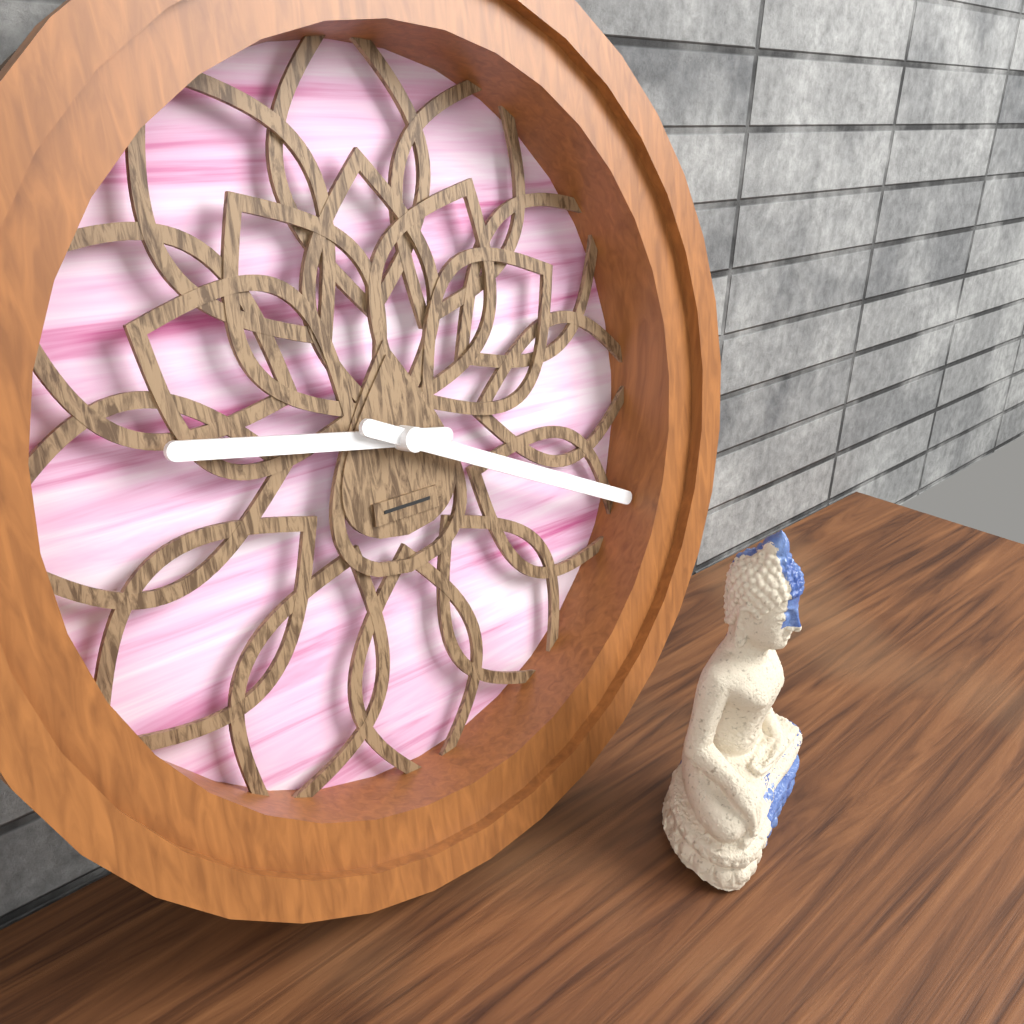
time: 9:19
